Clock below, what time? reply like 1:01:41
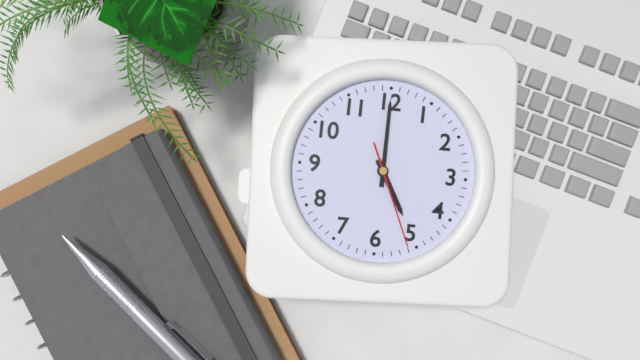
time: 5:00:26
